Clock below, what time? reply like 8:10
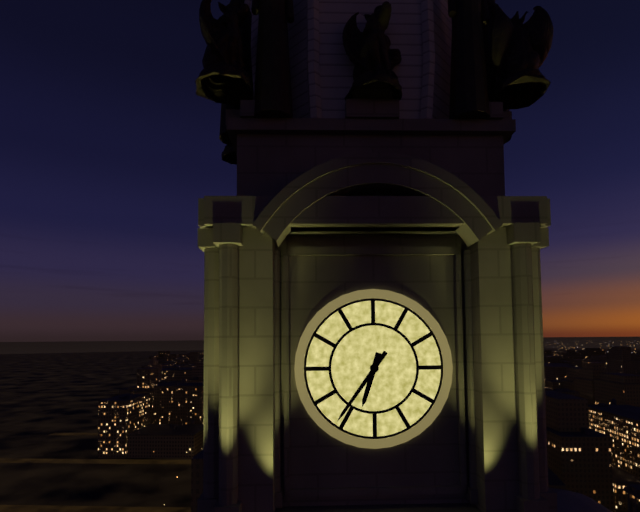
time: 6:36
